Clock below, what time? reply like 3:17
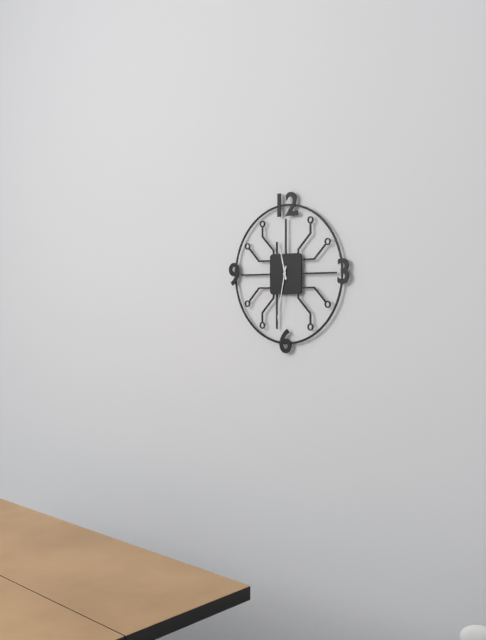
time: 11:32
